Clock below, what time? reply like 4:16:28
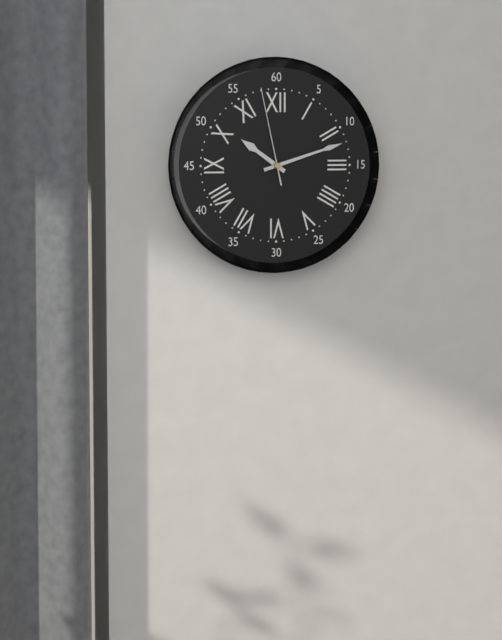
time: 10:12:58
